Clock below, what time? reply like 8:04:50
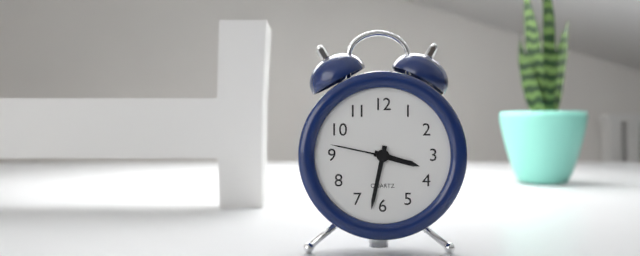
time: 3:32:47
